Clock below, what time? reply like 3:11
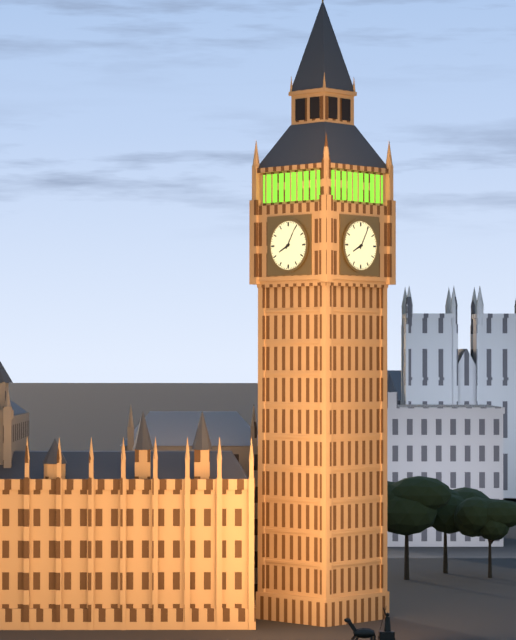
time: 8:05
